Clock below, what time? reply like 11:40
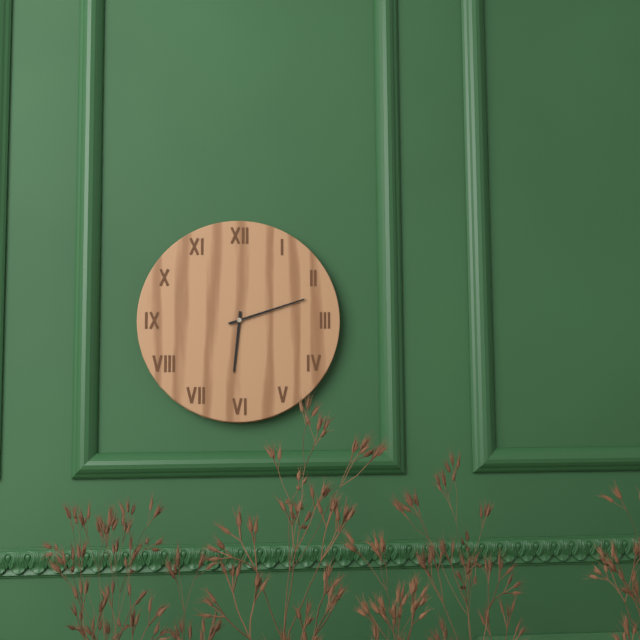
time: 6:12
